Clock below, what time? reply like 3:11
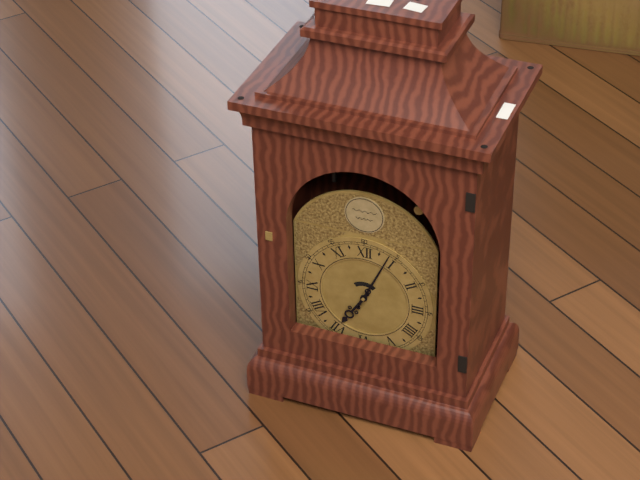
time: 7:04
